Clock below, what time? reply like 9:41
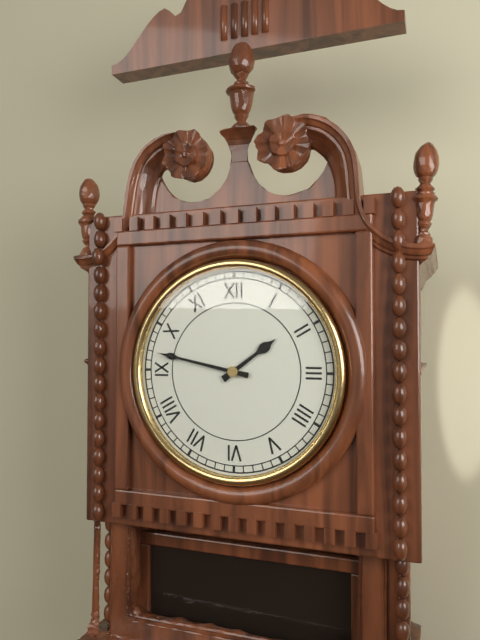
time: 1:47
